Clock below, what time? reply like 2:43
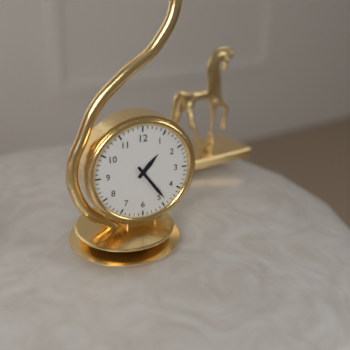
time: 1:24
